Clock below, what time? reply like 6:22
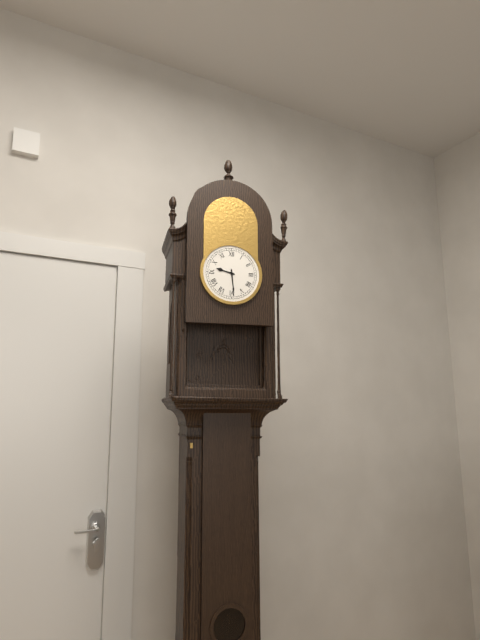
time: 9:29
